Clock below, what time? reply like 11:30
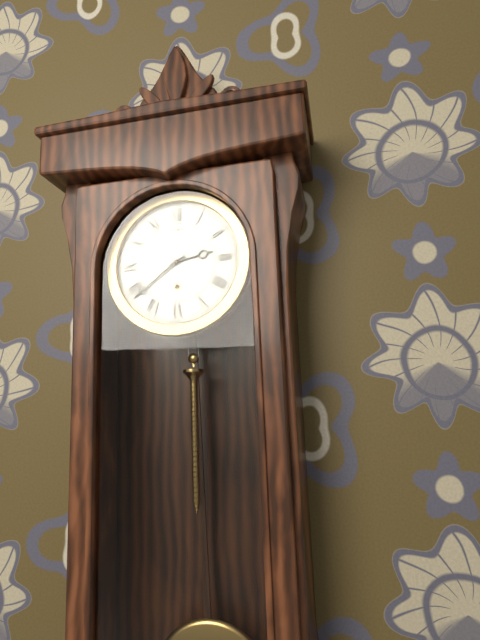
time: 2:39
